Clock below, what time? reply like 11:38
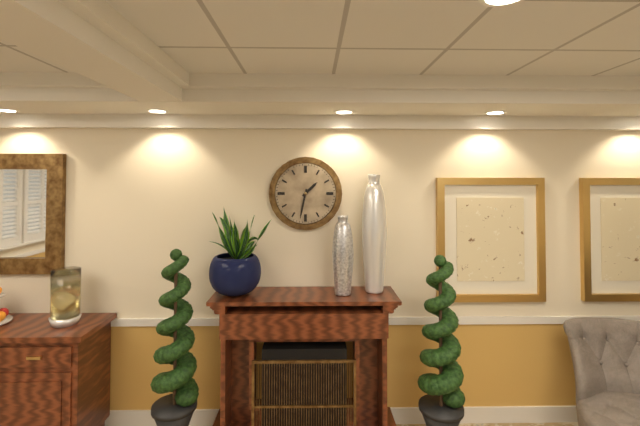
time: 1:32
